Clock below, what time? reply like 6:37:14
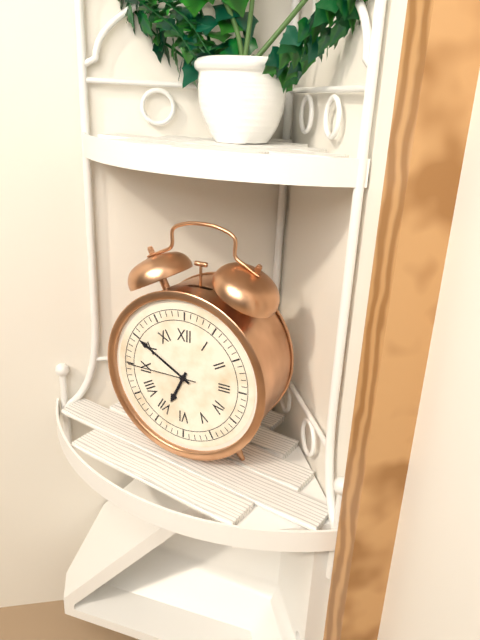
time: 6:50:45
